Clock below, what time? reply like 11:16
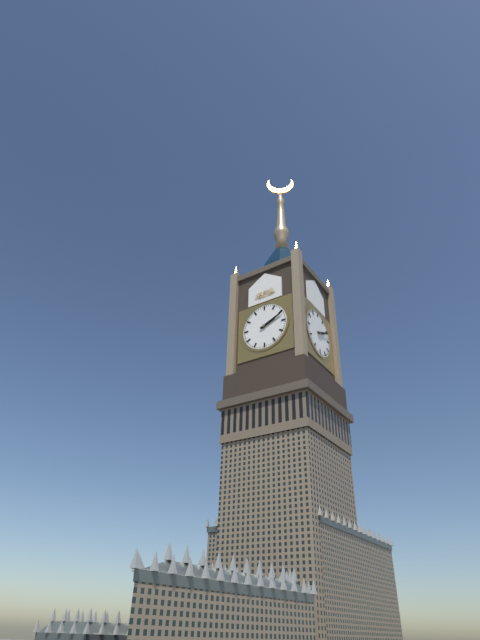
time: 2:11
